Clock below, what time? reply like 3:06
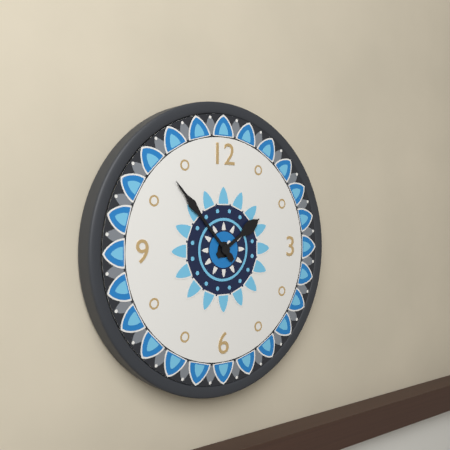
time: 1:53
